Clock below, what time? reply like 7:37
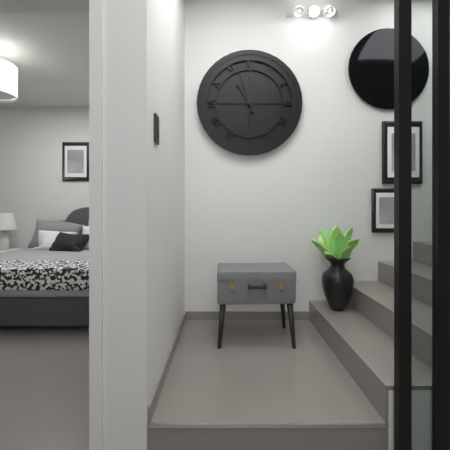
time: 10:57
